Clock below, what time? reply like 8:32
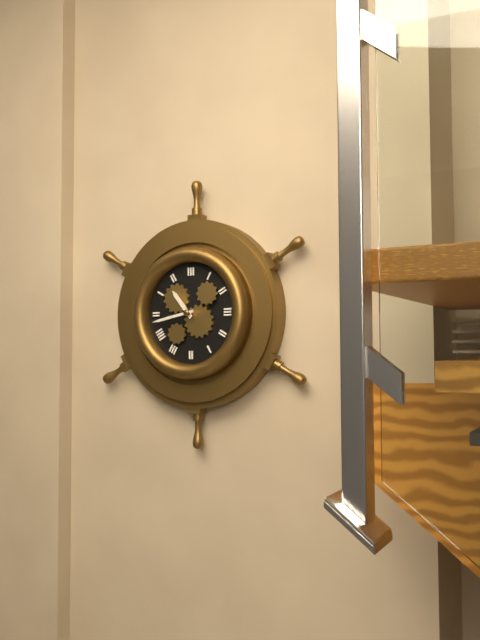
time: 10:43
